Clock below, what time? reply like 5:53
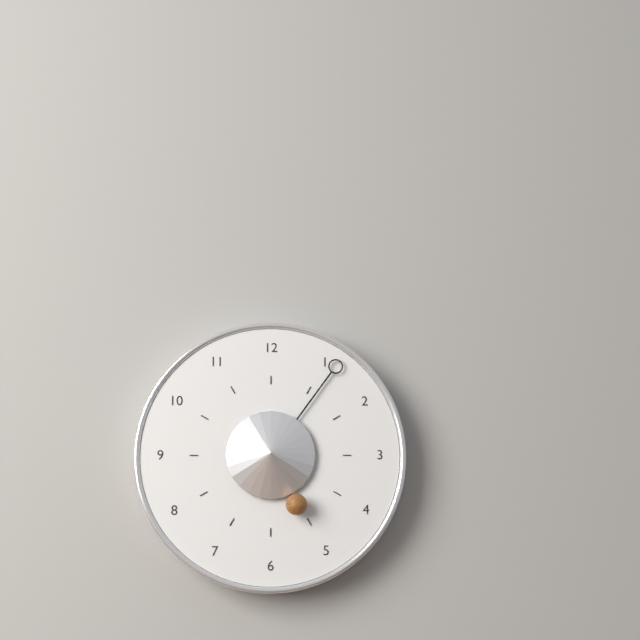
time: 5:06
